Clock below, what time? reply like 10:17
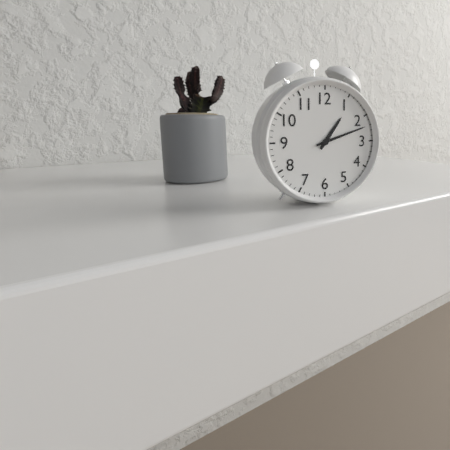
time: 1:12
